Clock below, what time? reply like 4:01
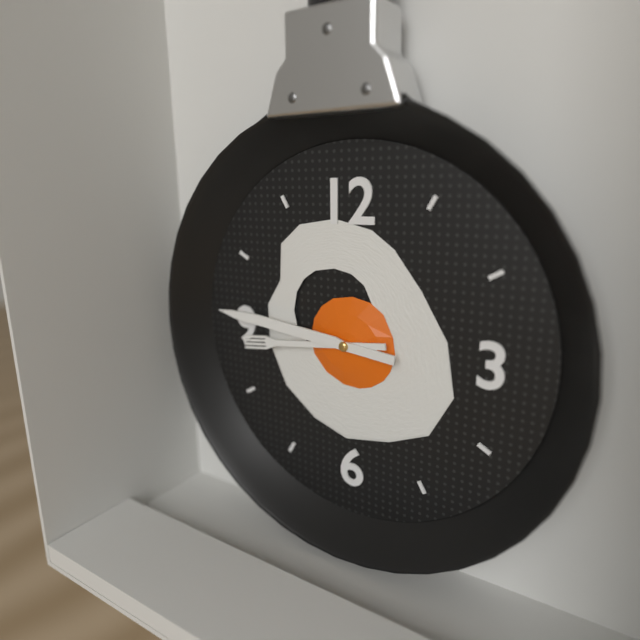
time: 8:46
